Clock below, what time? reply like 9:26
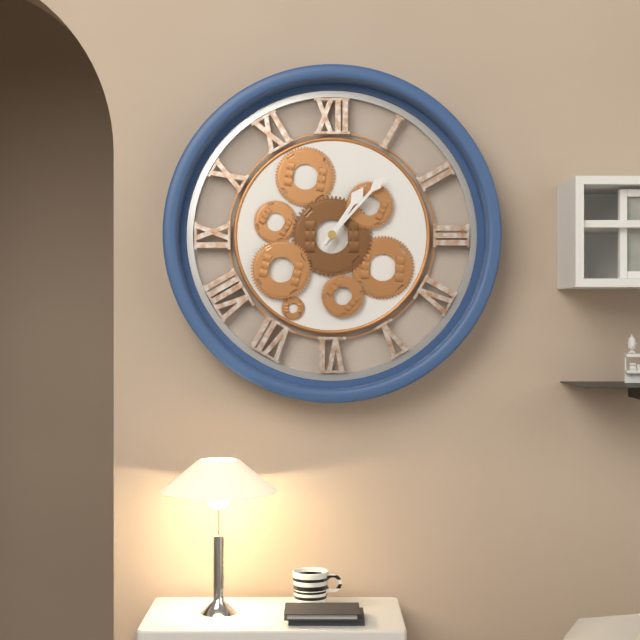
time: 1:07
